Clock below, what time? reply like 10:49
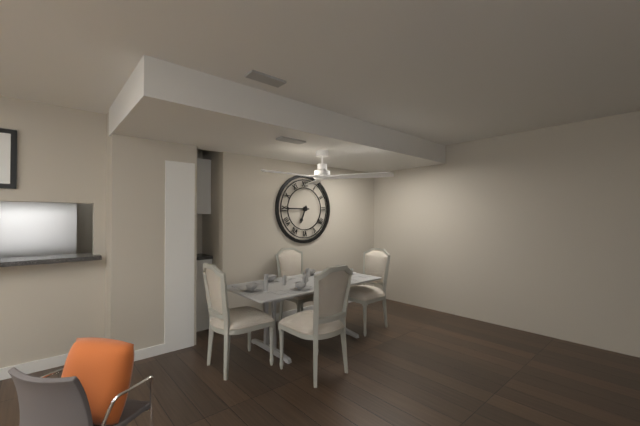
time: 6:45
